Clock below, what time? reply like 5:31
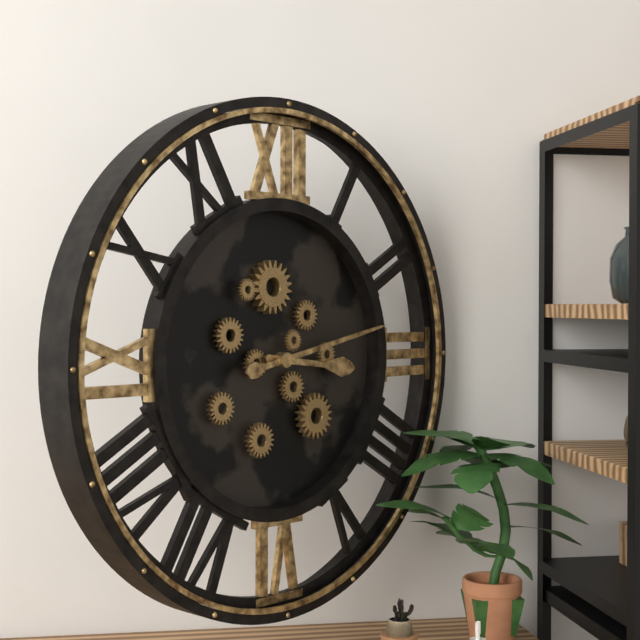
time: 3:13
